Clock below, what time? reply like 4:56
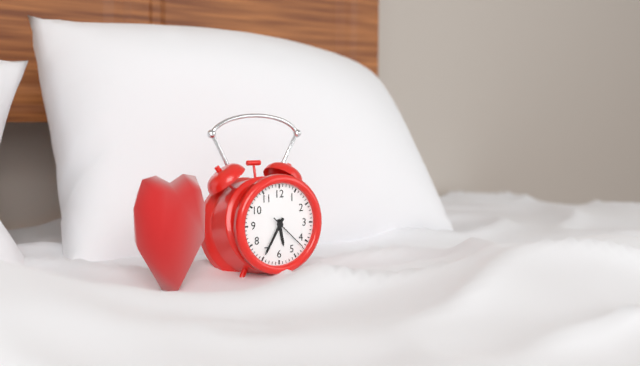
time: 5:35
